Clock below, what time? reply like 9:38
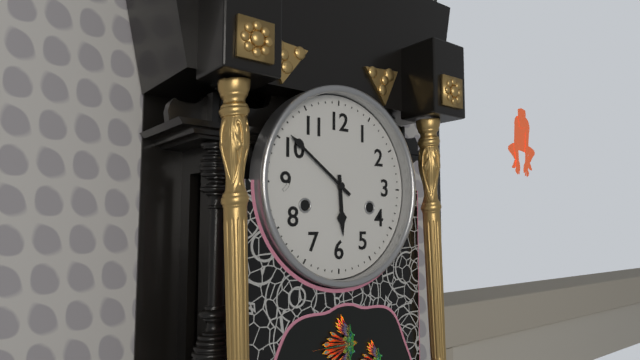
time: 5:51
